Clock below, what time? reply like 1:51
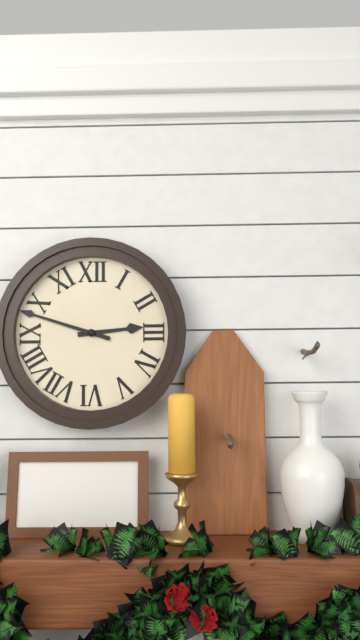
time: 2:48
